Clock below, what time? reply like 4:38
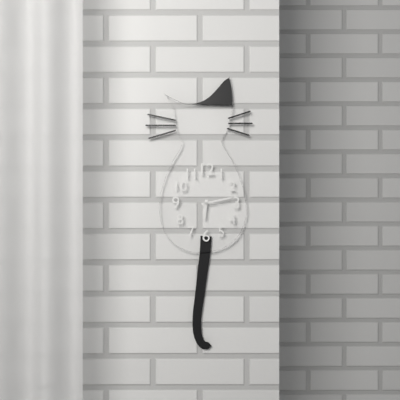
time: 6:13
